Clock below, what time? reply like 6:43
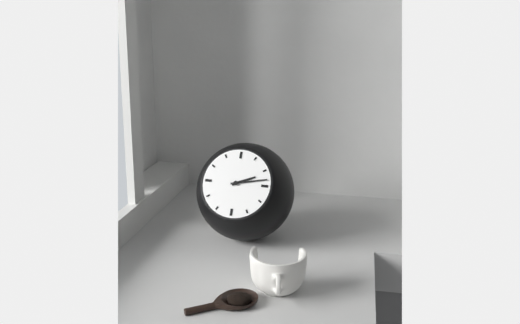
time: 2:13
